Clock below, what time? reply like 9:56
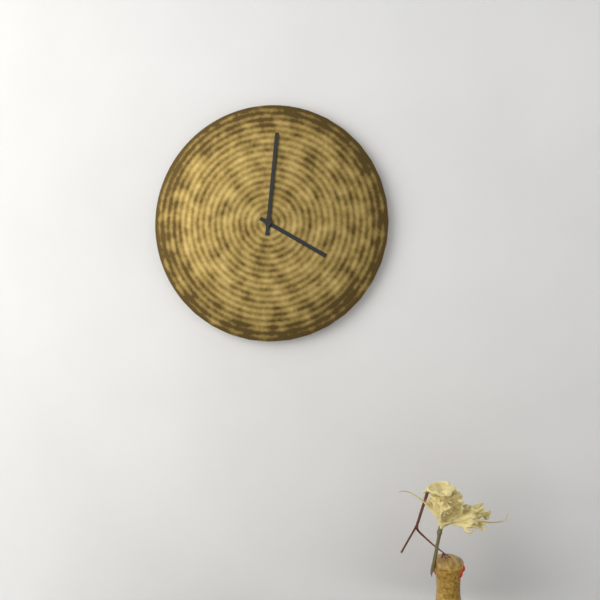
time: 4:01
